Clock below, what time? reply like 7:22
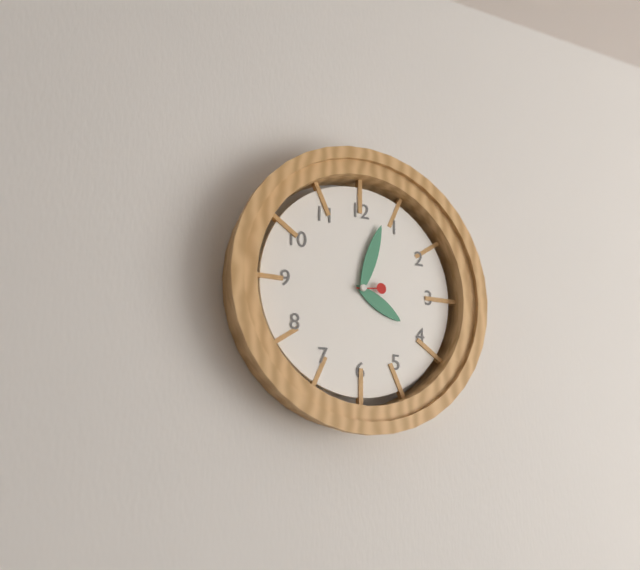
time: 4:03
